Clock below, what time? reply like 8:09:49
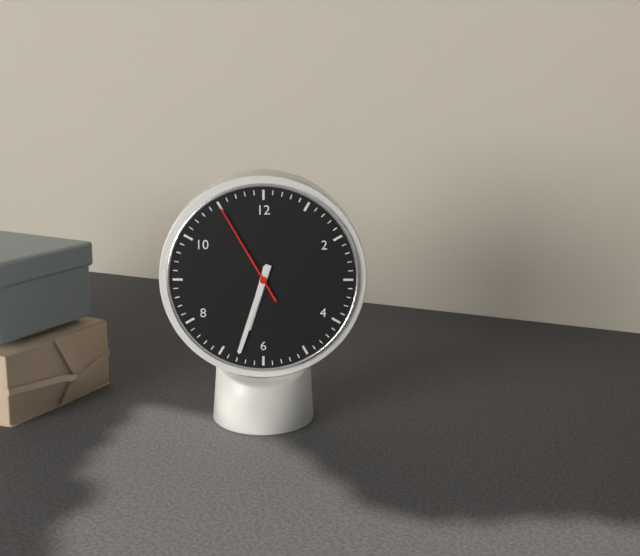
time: 6:33:55
